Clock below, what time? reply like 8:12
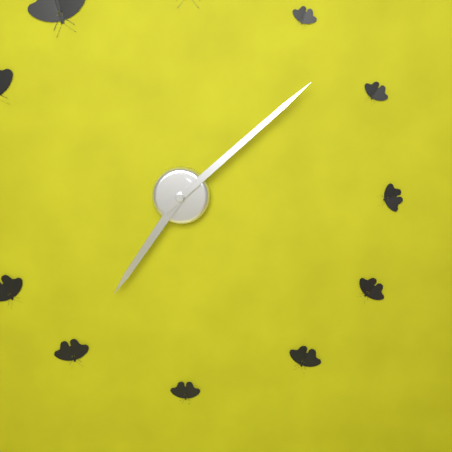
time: 7:08
